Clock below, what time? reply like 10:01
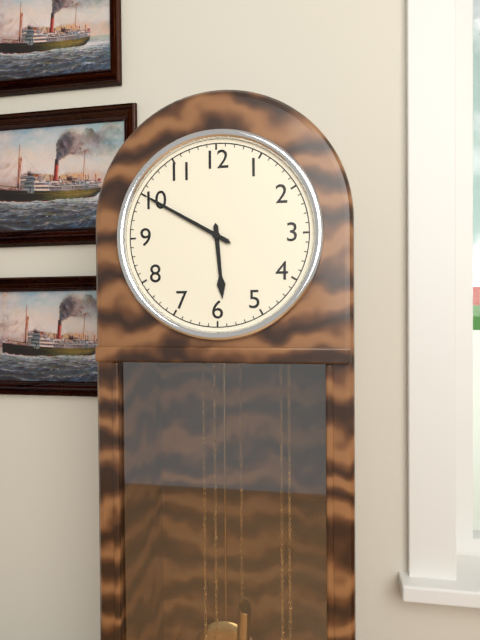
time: 5:50
